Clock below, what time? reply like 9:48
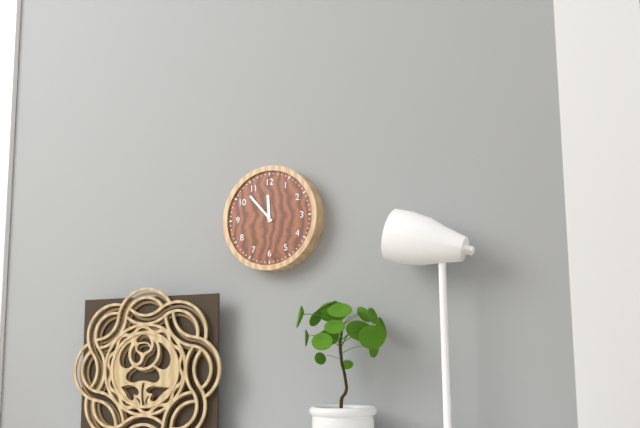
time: 11:53
